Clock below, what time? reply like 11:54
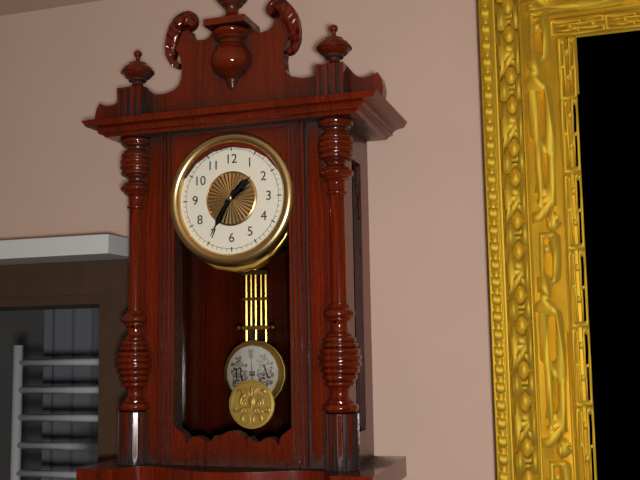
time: 1:35
